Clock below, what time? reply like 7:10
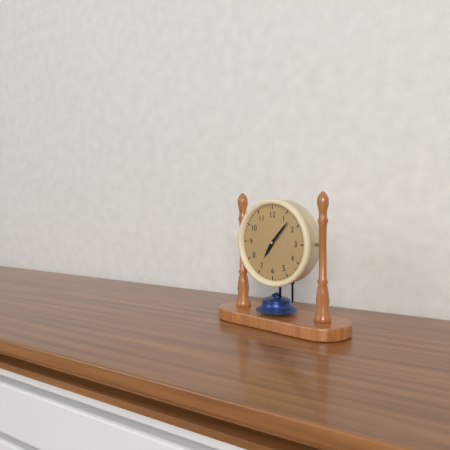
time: 7:07
